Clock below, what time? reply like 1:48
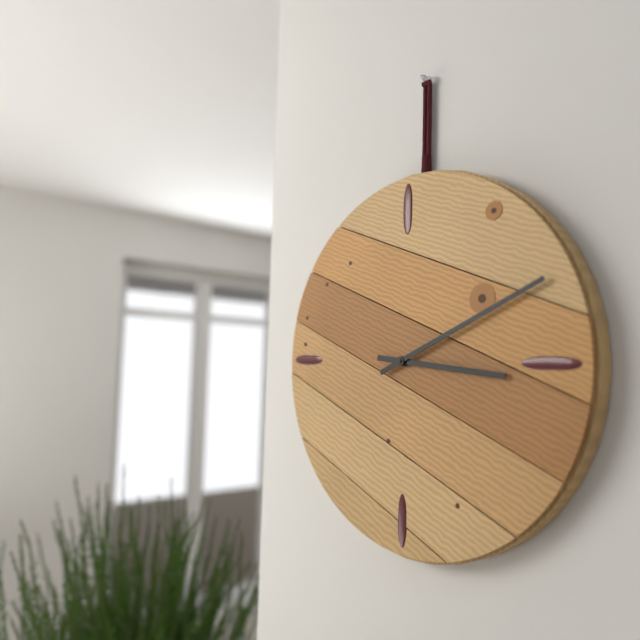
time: 3:11
